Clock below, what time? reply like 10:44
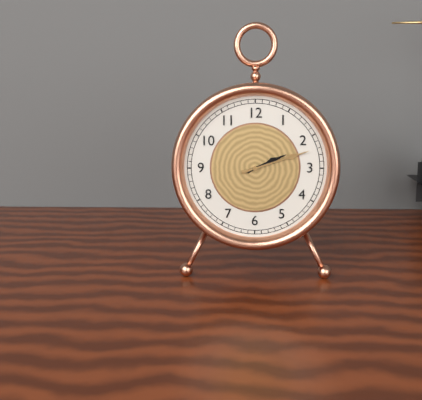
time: 2:12
